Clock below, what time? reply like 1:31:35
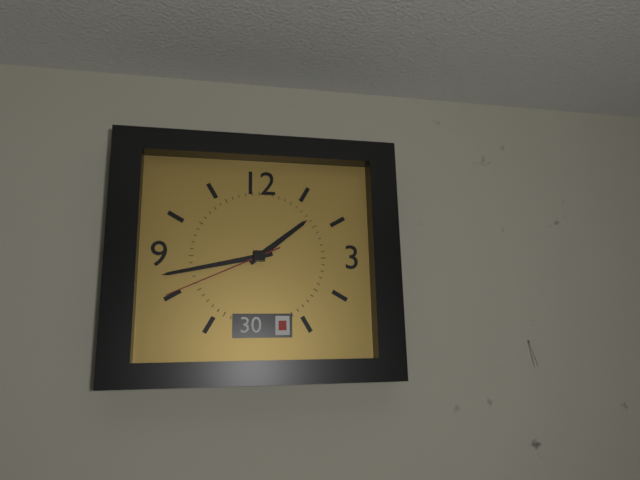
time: 1:43:41
